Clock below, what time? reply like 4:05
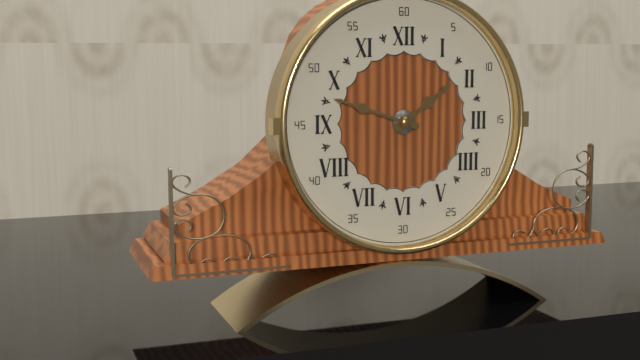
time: 1:48
